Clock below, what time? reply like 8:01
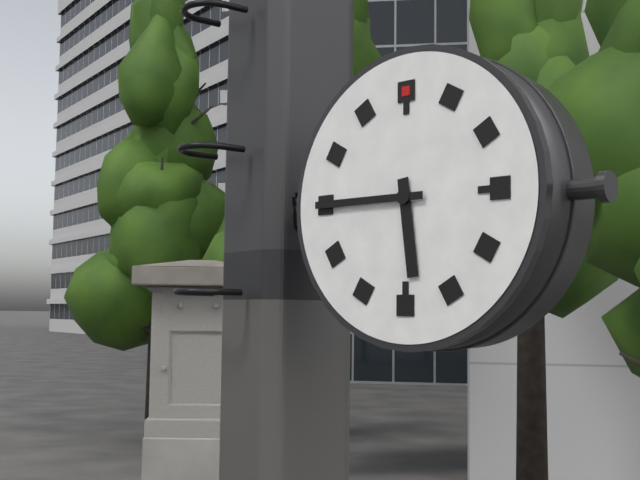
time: 5:45
